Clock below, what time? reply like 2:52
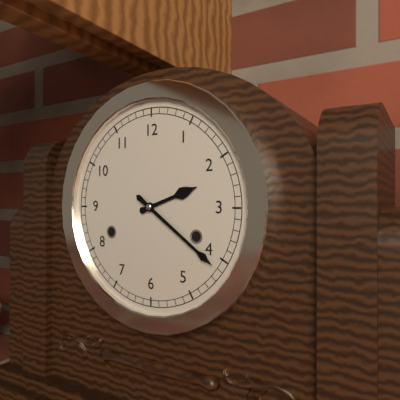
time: 2:21
